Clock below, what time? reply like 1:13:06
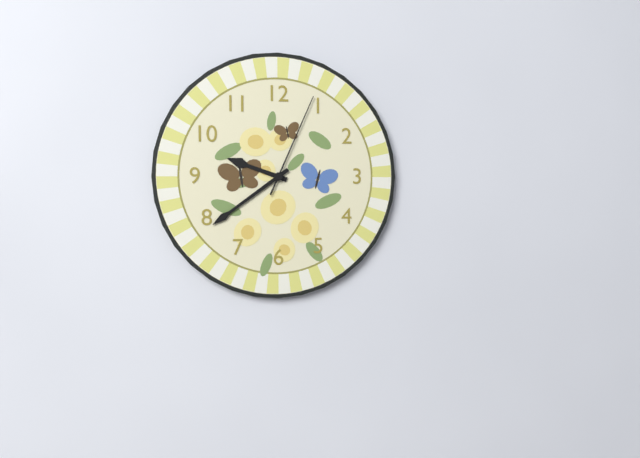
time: 9:39:04
